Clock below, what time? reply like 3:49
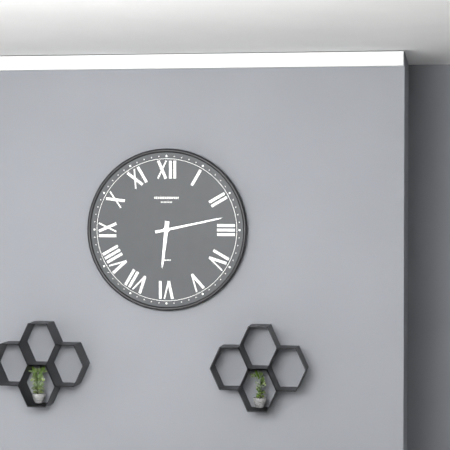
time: 6:13
